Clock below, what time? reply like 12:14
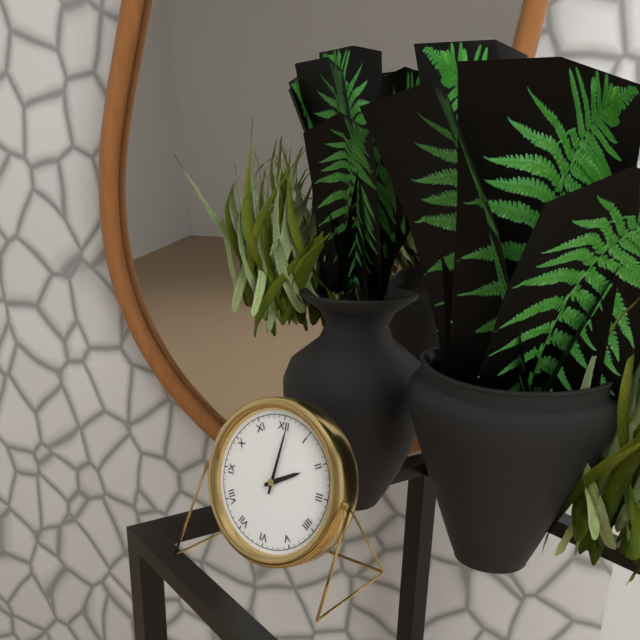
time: 2:01
